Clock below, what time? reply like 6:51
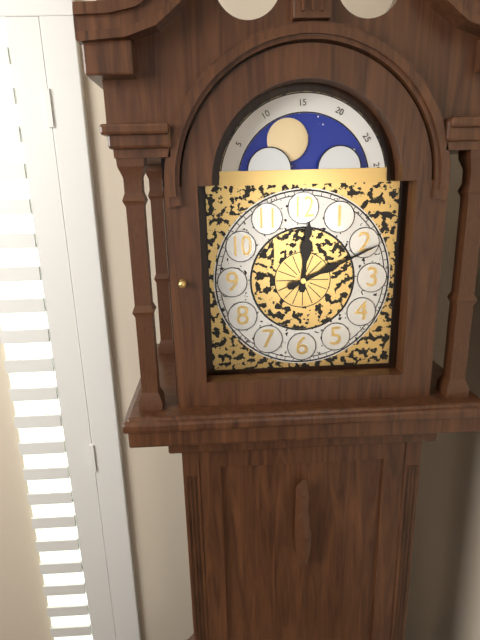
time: 12:11
